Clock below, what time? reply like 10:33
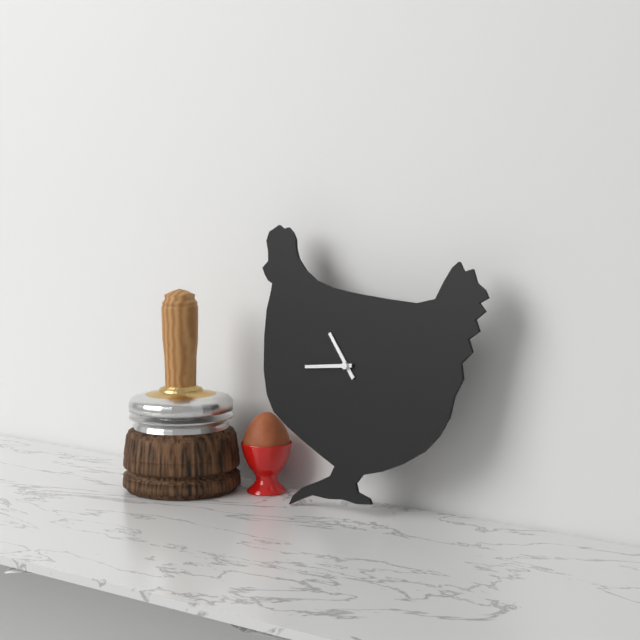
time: 10:44
